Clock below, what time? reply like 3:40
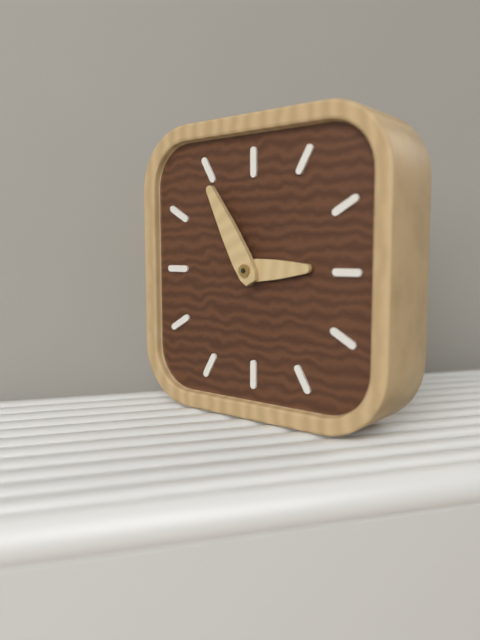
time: 2:55
